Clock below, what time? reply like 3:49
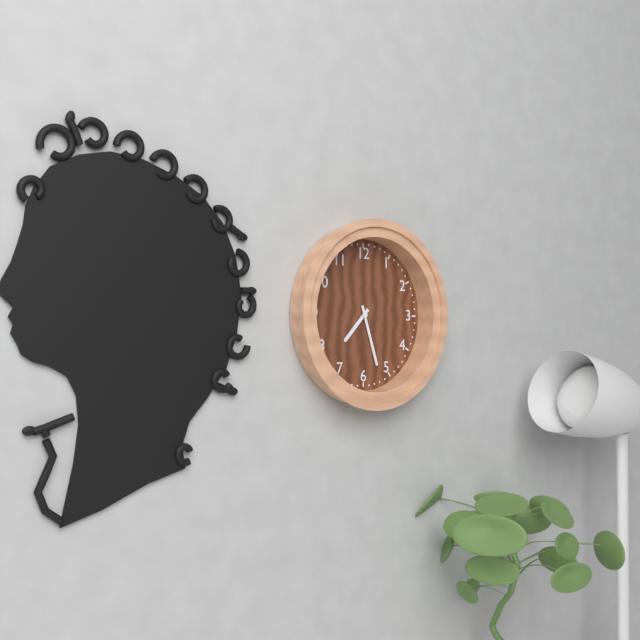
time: 7:27
